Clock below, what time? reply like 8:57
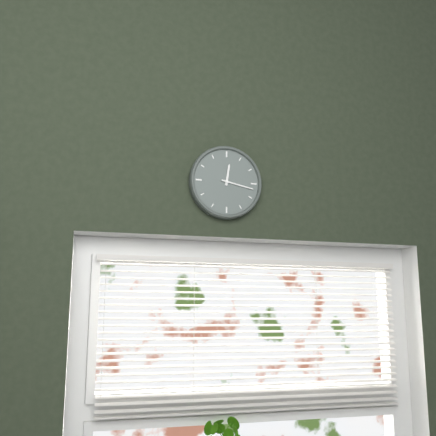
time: 12:17
